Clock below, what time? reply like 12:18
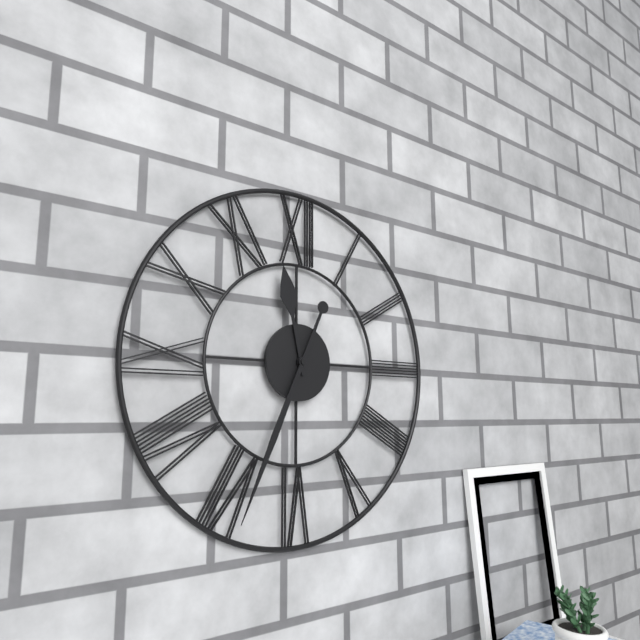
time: 11:34
